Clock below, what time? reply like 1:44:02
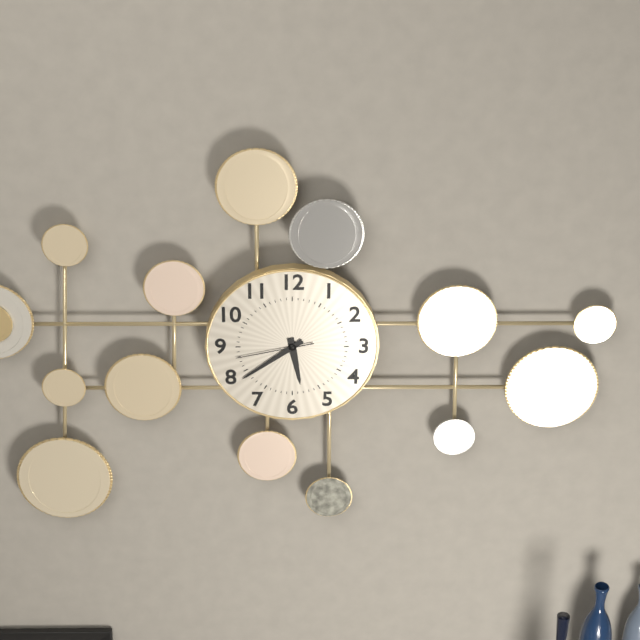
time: 5:39:43
